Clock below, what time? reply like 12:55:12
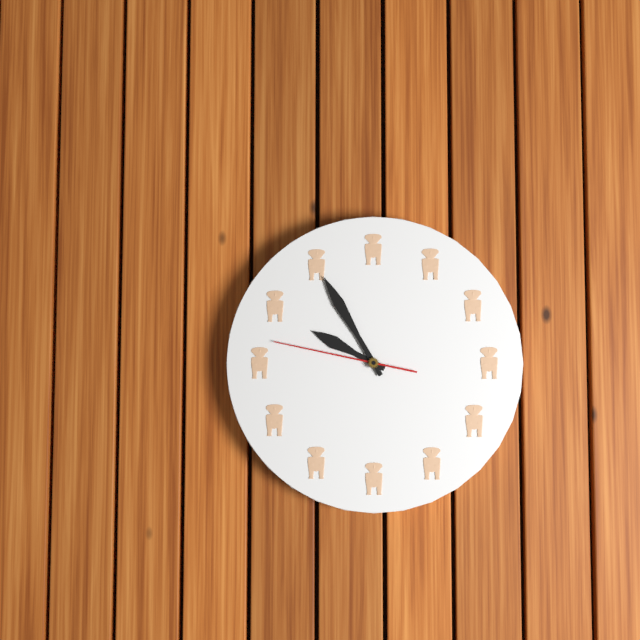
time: 9:55:47
